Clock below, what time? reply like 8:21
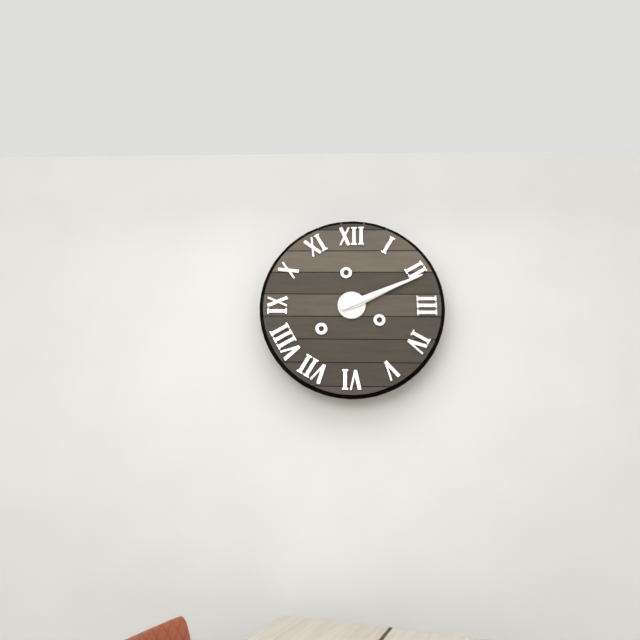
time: 2:11
